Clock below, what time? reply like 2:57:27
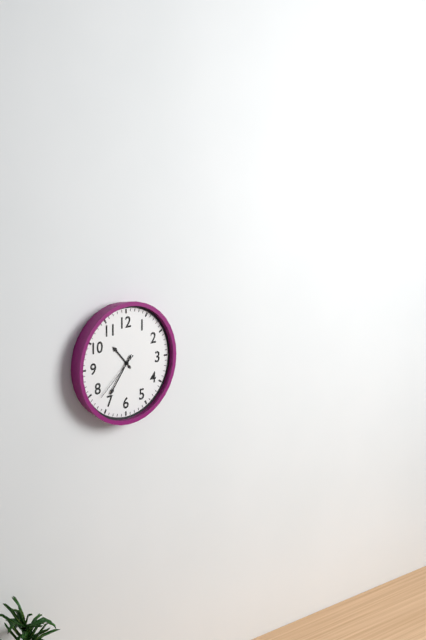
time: 10:36:38
